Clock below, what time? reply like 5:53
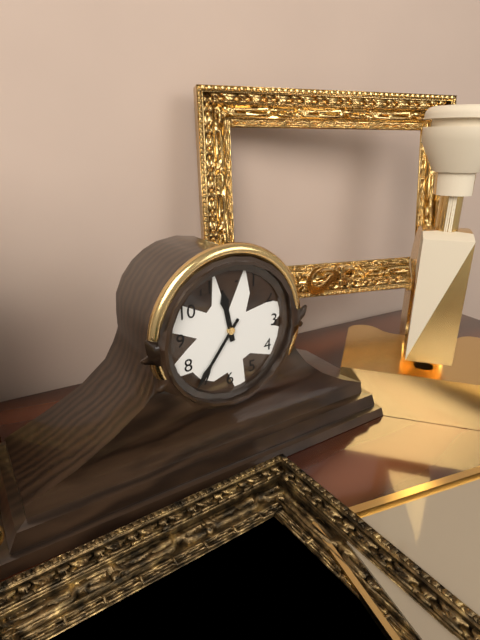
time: 11:36
